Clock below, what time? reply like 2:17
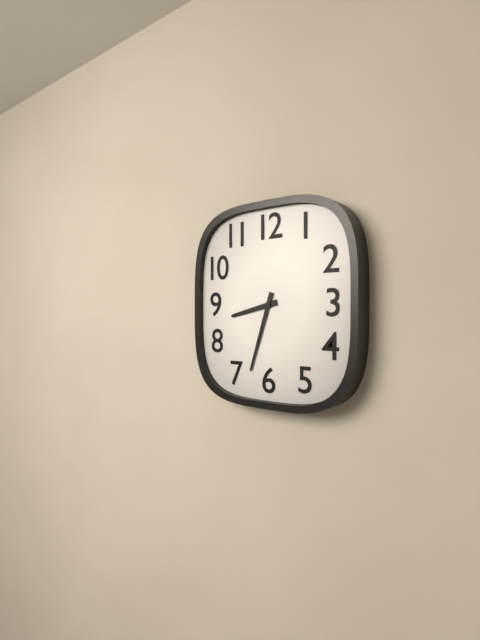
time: 8:33
